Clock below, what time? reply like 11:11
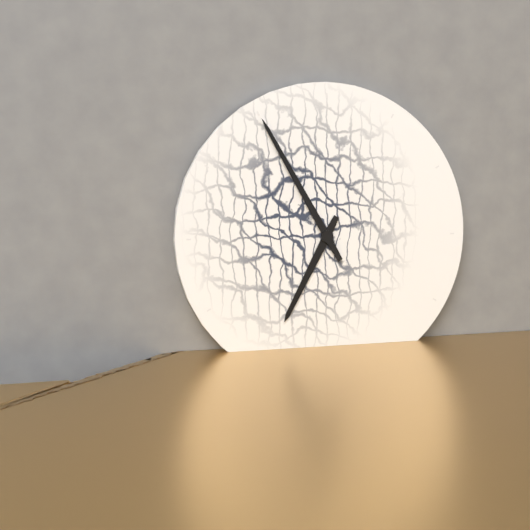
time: 6:55
